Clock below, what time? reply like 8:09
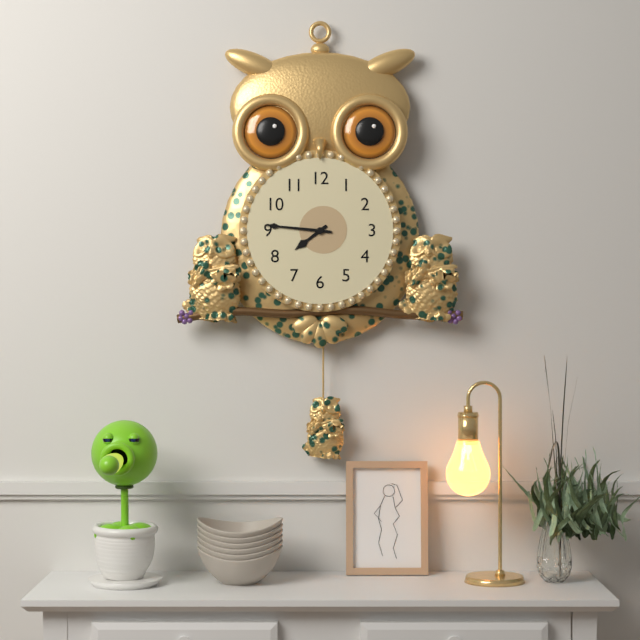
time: 7:46
